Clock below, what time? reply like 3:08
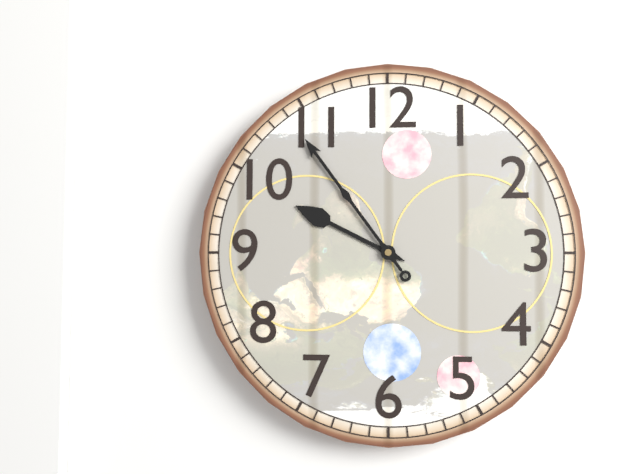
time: 9:54
